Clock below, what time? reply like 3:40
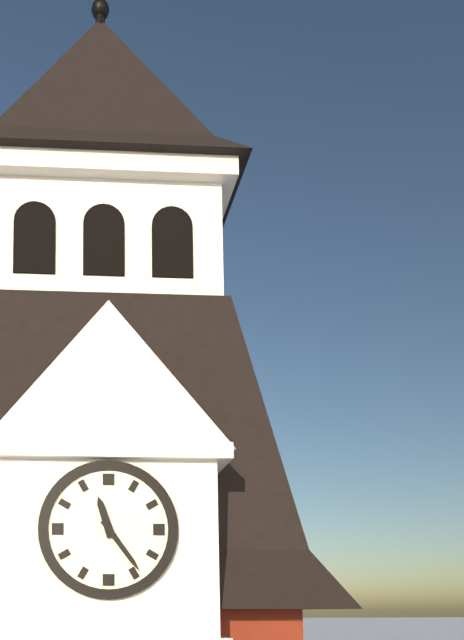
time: 11:24
